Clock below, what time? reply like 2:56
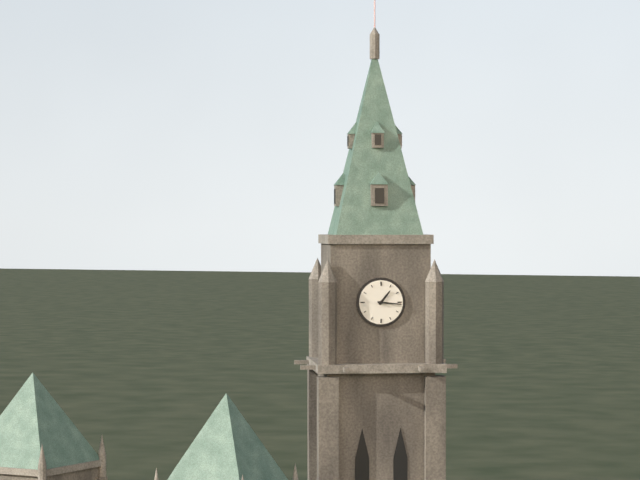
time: 1:16
